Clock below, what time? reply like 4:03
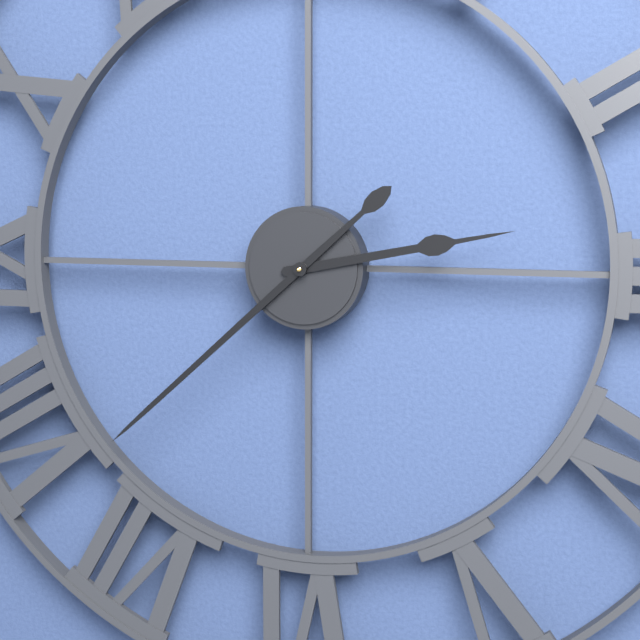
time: 2:38
